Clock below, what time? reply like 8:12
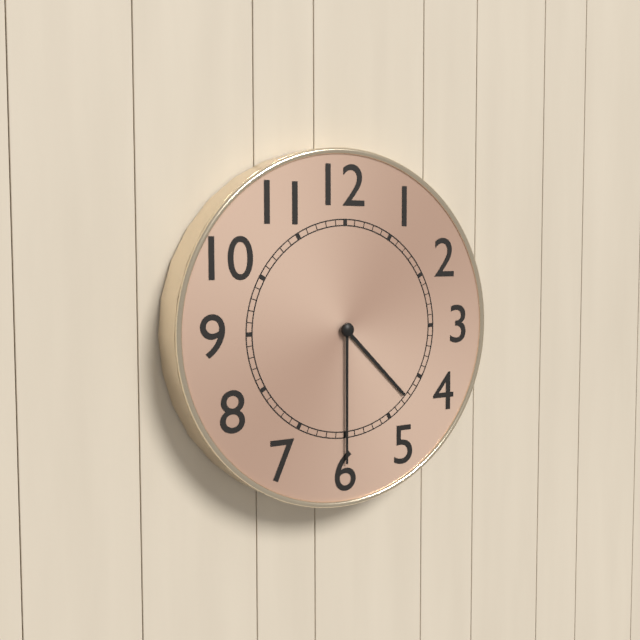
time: 4:30
